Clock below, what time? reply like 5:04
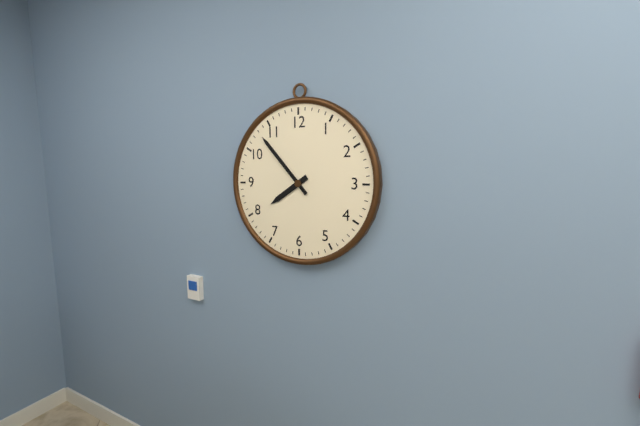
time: 7:53
